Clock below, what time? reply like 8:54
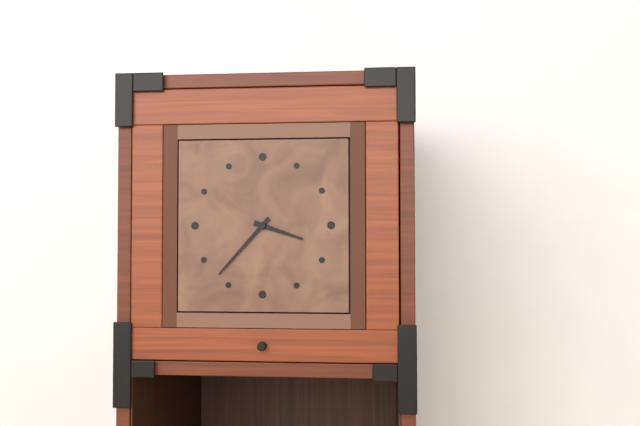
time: 3:37
